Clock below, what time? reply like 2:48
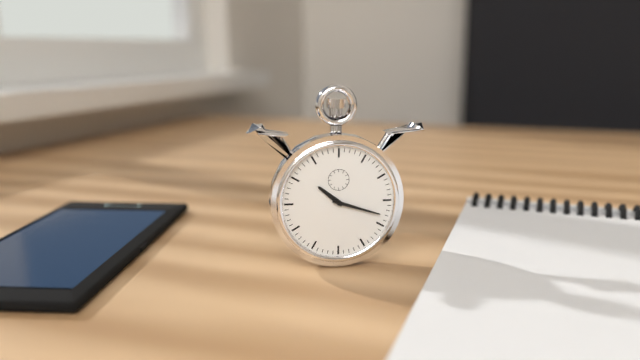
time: 10:18
